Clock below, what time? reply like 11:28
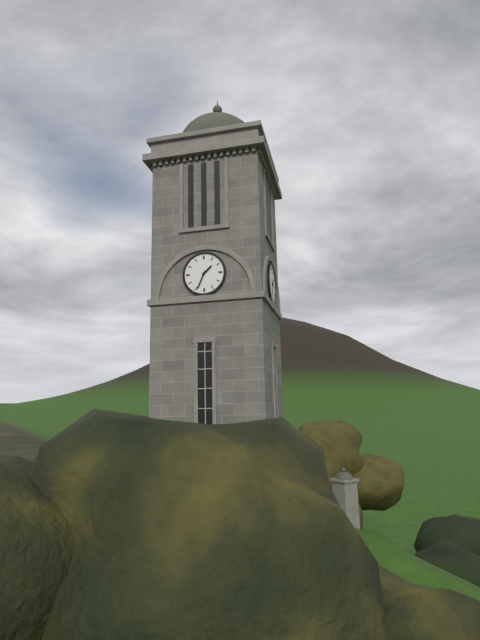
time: 1:34
